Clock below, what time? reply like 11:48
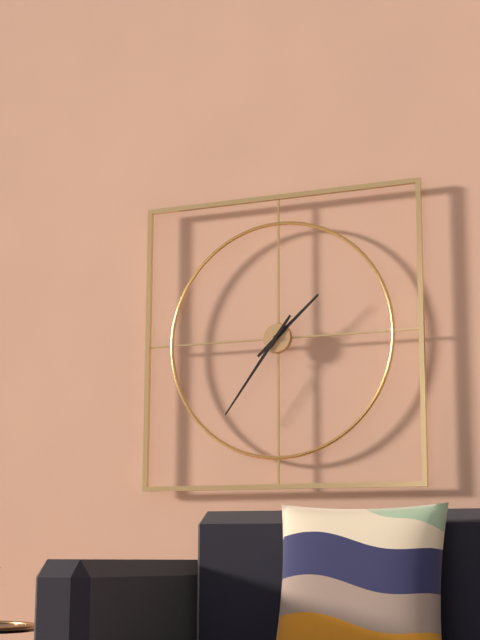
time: 1:36
